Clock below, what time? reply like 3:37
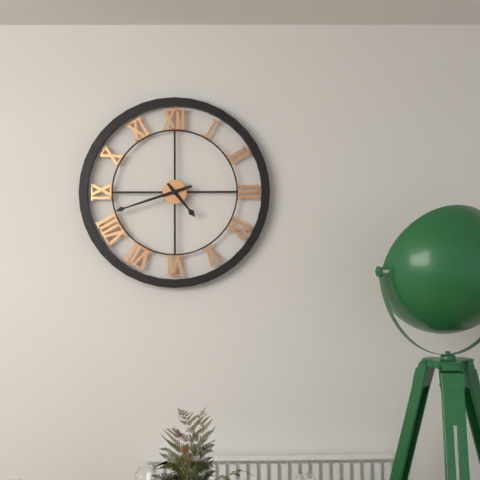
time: 4:42
